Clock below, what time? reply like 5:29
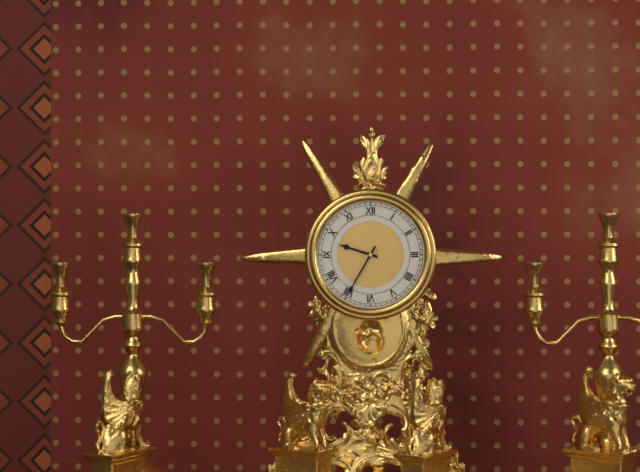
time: 9:35
